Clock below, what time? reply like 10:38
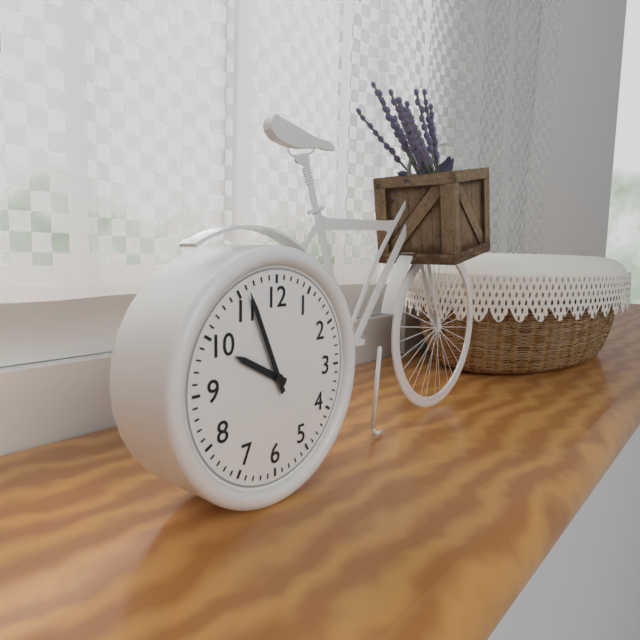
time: 9:56
